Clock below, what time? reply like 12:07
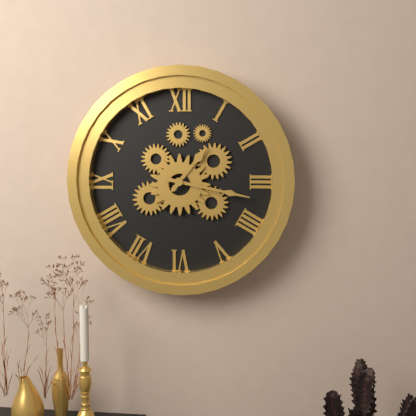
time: 1:17
